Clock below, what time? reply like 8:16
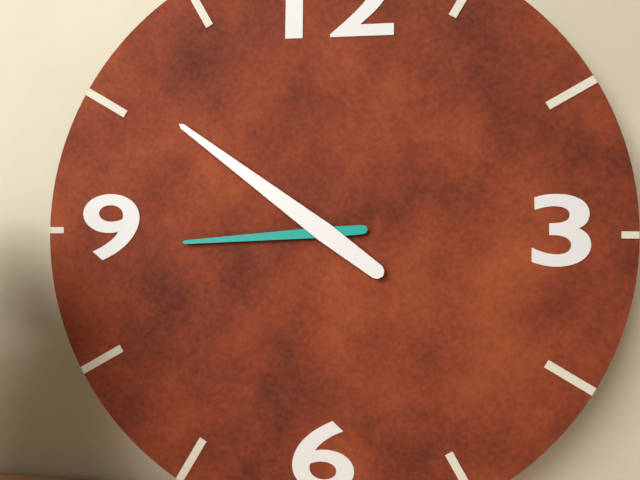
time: 8:51
